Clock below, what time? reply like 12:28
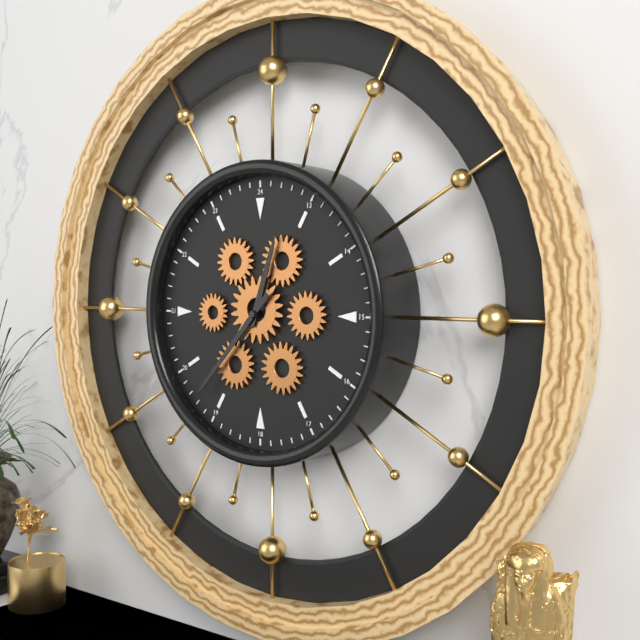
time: 12:37
